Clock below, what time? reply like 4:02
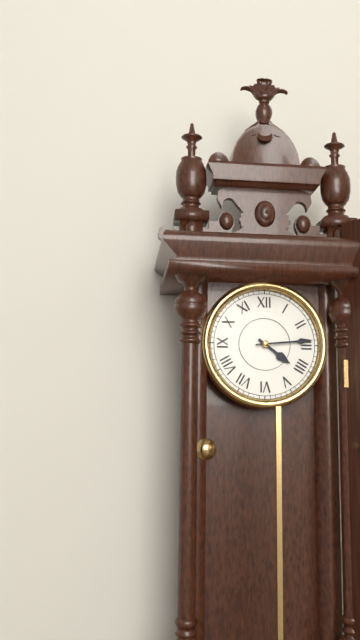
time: 4:14
